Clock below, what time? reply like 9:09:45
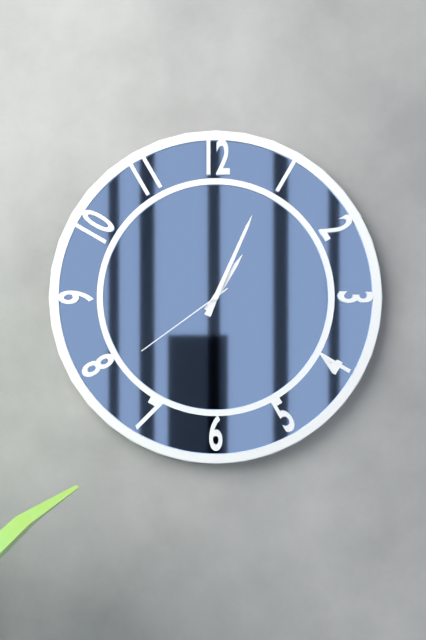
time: 1:04:39
